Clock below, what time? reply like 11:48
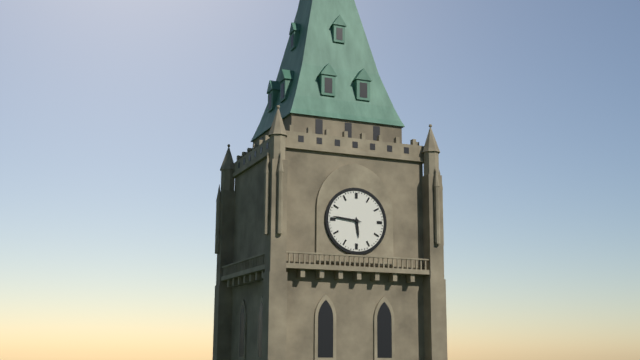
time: 5:46
